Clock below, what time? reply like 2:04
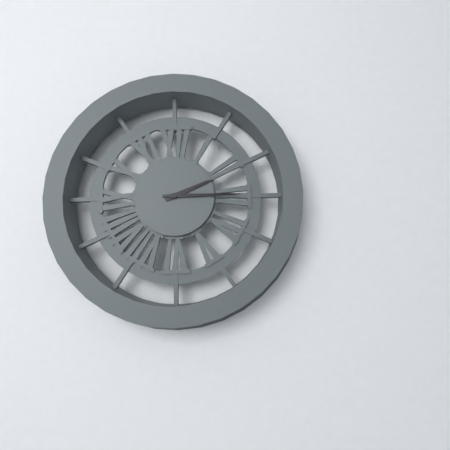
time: 2:15
